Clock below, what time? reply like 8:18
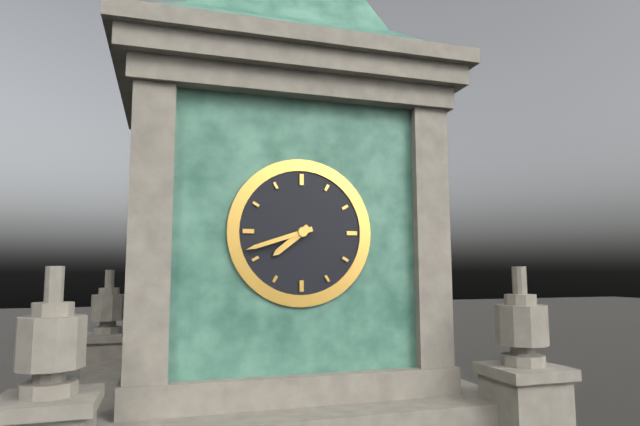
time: 7:42
